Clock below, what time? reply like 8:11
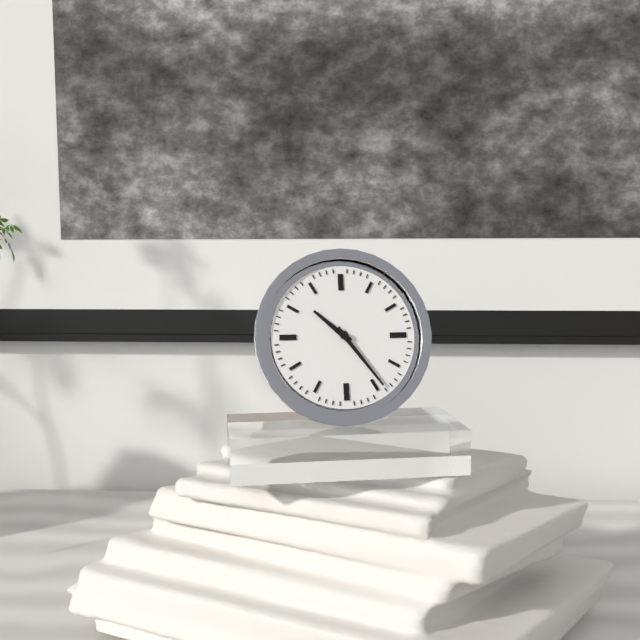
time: 10:24
